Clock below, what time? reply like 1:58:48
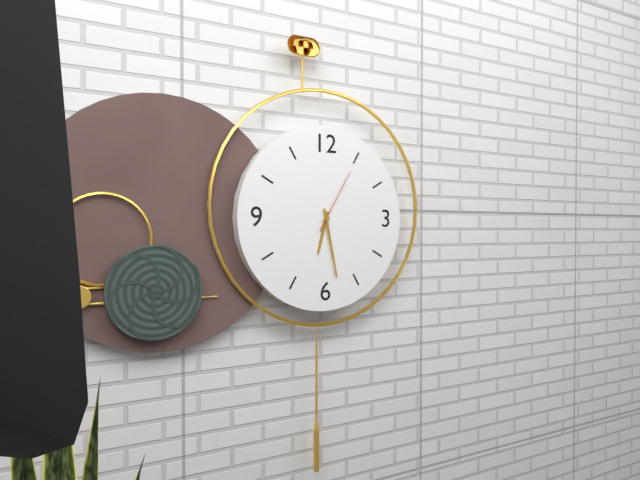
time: 6:28:05
